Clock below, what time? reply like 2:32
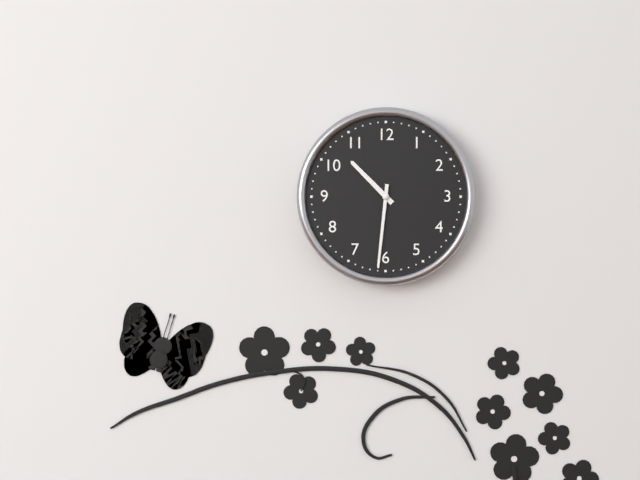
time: 10:31
